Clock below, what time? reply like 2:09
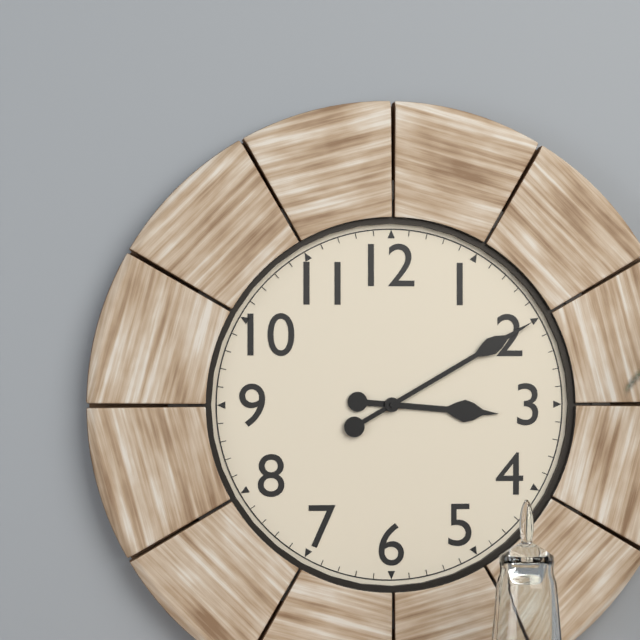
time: 3:10
